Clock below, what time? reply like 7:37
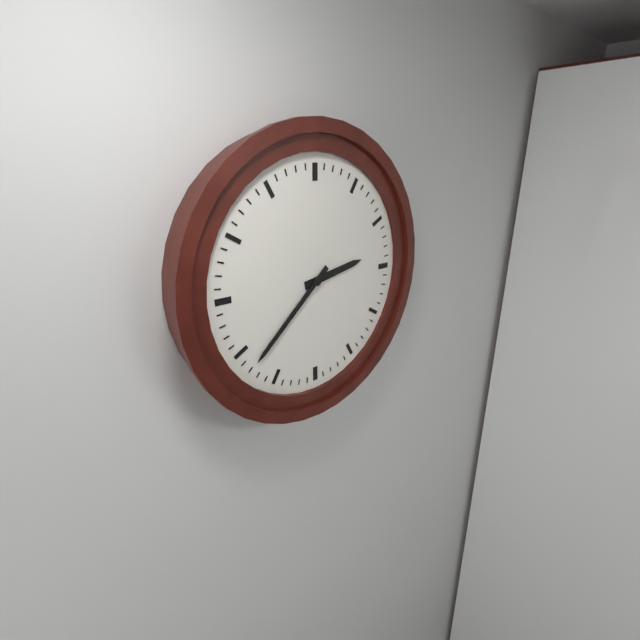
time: 2:38
